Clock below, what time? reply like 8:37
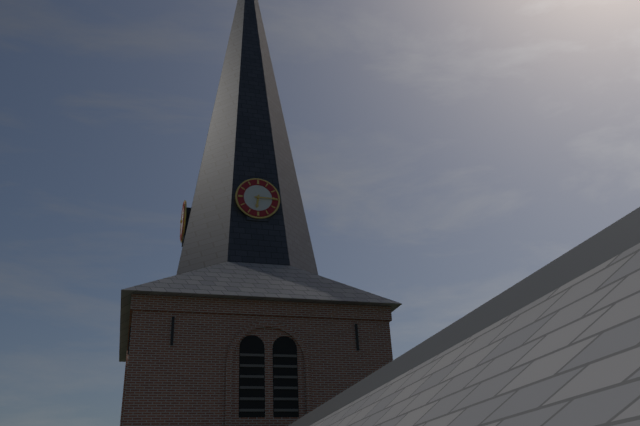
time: 6:15
